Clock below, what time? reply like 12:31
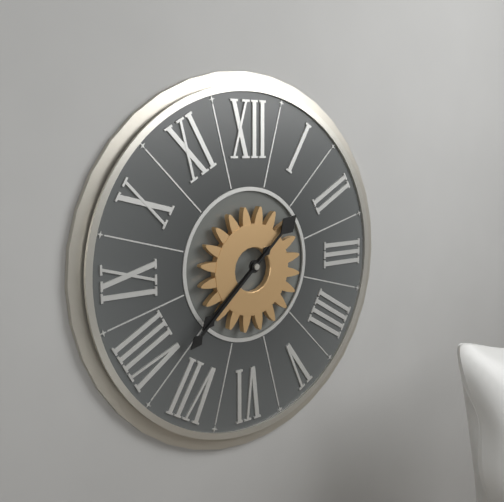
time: 7:38
